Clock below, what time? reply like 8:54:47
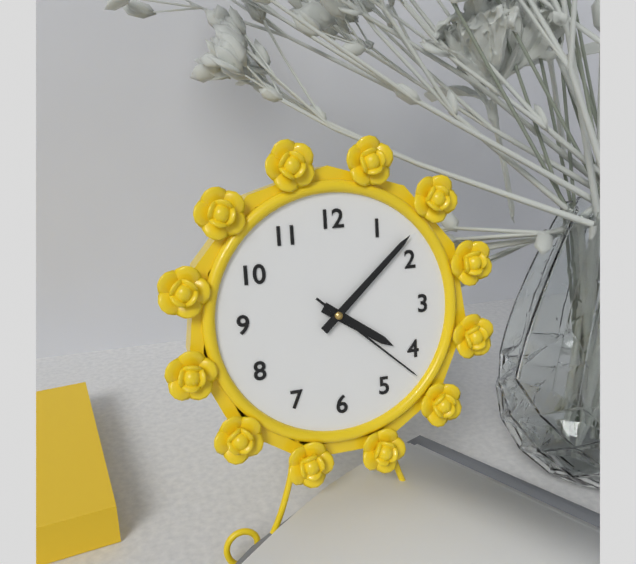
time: 4:08:22
